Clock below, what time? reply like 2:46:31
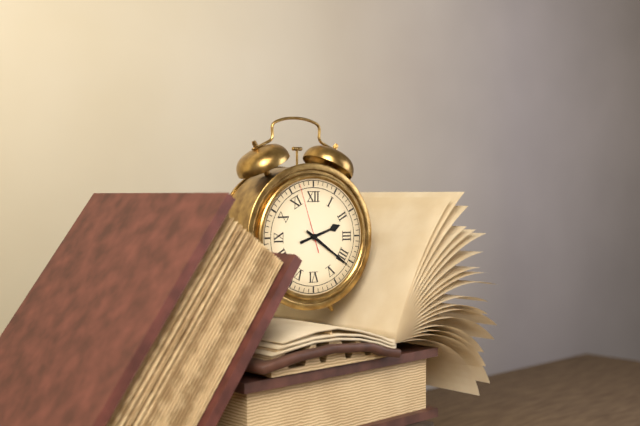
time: 2:21:57
